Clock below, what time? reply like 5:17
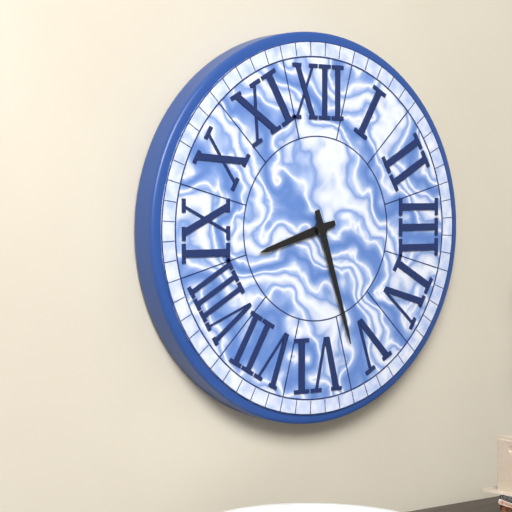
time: 8:27
